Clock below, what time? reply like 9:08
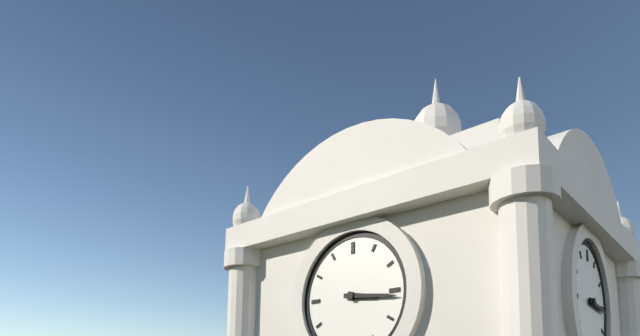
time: 3:16
